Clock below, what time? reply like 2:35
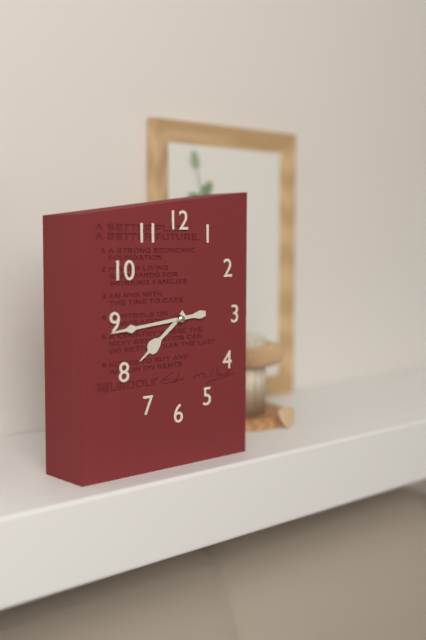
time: 7:44
